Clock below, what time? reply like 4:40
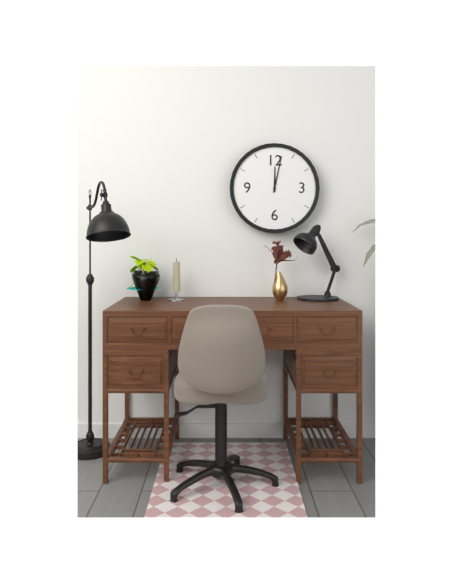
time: 12:02
